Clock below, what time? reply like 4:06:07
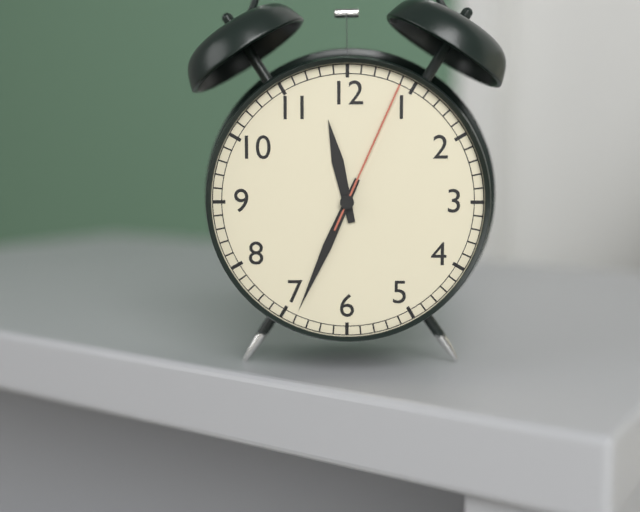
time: 11:34:04
